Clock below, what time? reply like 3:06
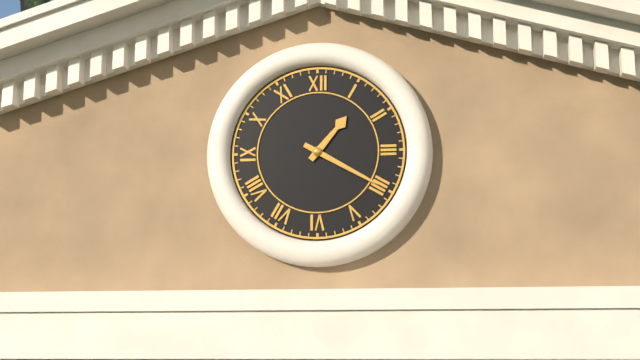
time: 1:20
